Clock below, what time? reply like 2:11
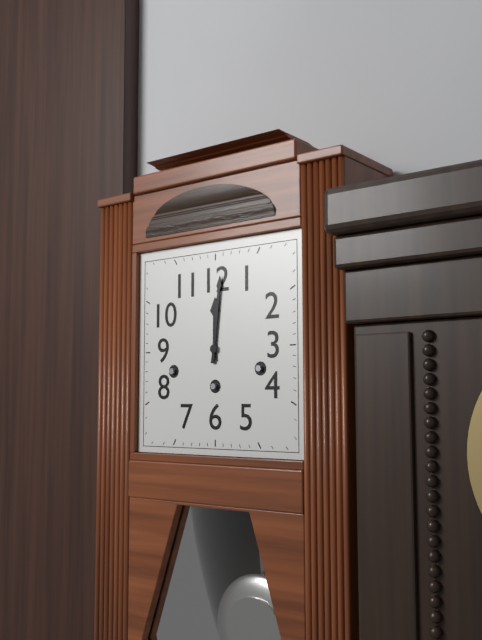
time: 12:01
